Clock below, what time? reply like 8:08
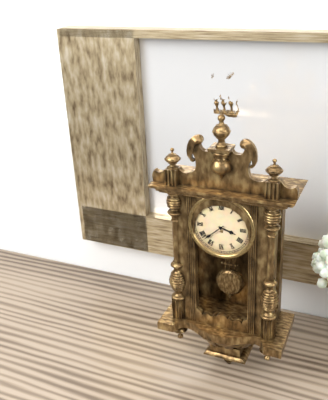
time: 3:38
